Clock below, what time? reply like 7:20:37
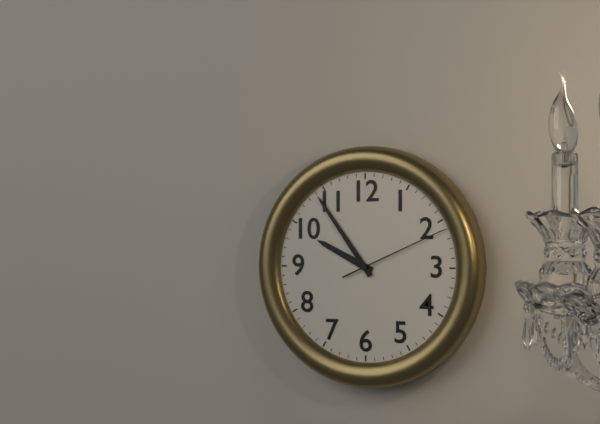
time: 9:54:11
